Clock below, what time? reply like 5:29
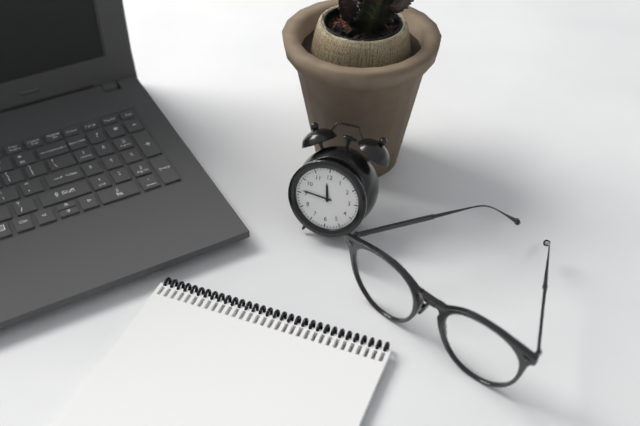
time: 11:46
